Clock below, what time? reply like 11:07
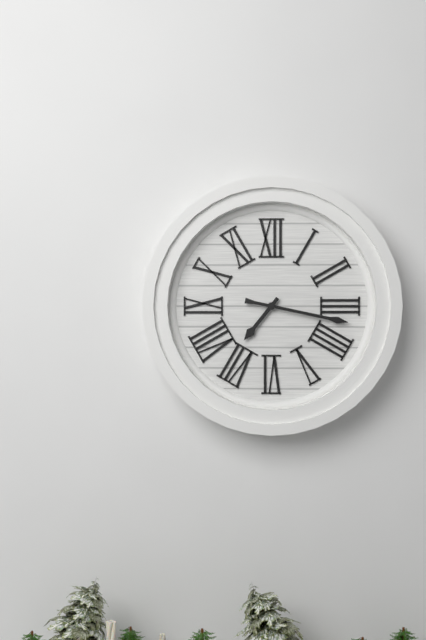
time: 7:17
